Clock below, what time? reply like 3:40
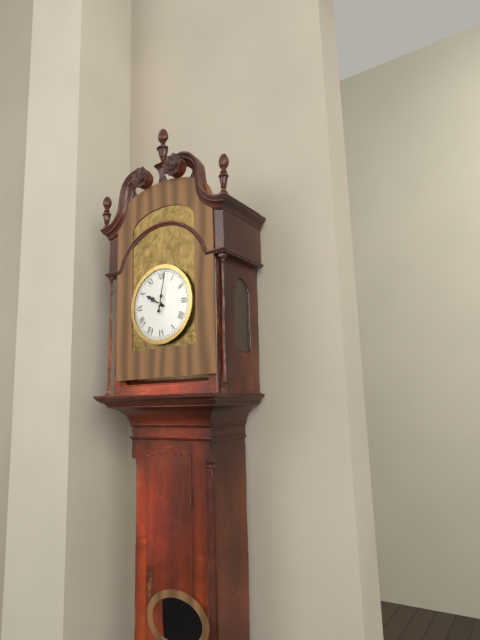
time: 10:02
